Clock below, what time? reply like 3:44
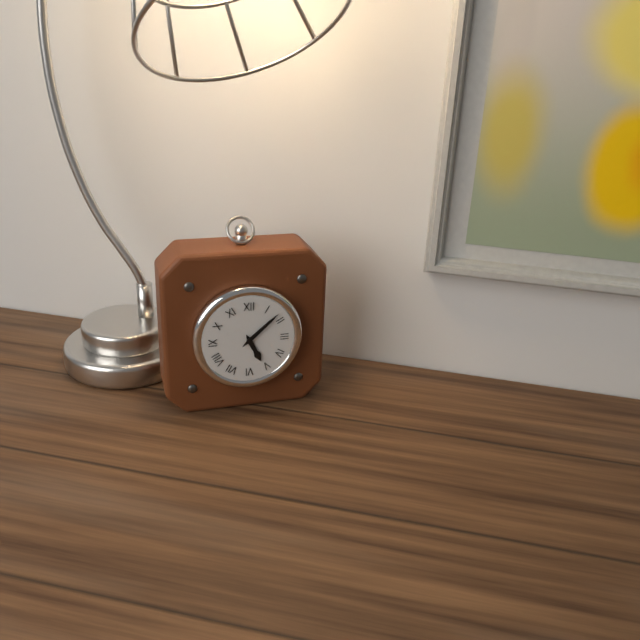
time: 5:08
